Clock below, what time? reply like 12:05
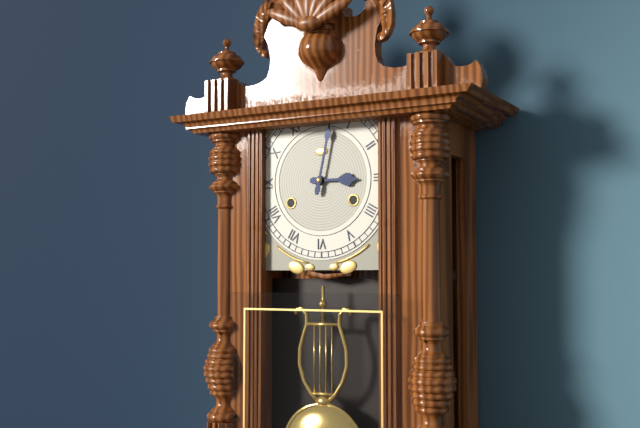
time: 3:02
